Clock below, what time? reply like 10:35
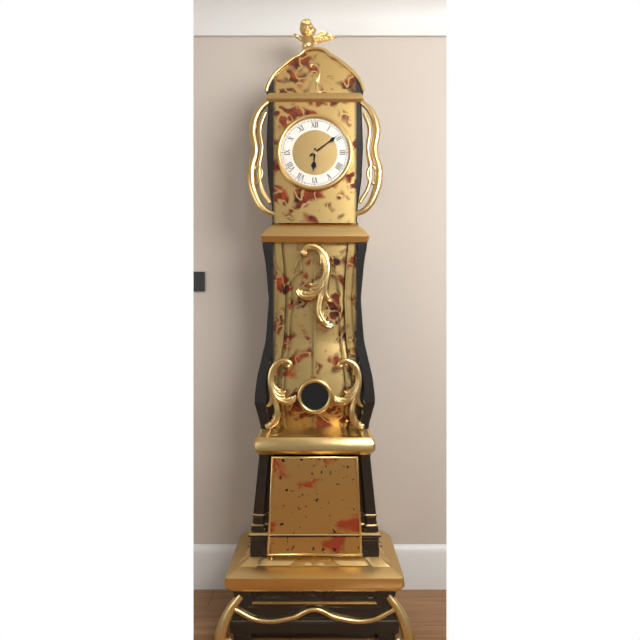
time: 6:09
